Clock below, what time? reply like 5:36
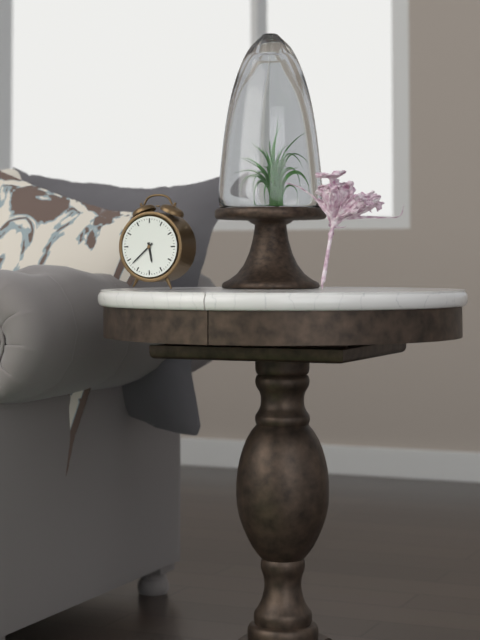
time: 5:38
